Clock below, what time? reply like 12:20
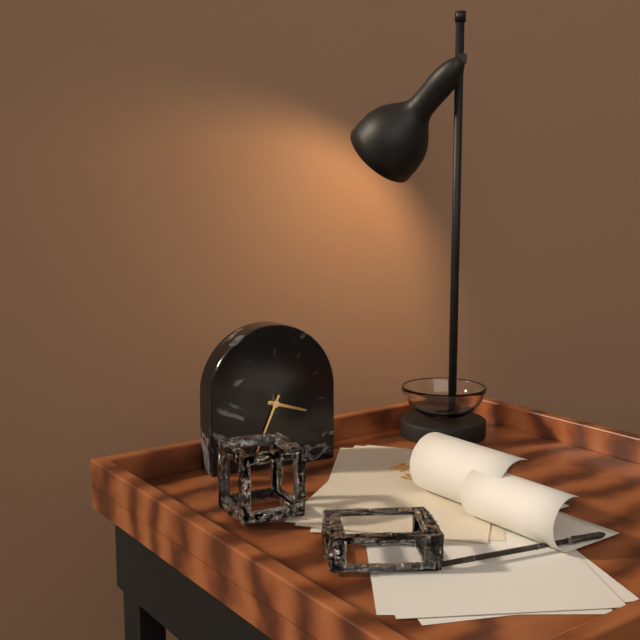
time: 3:34
